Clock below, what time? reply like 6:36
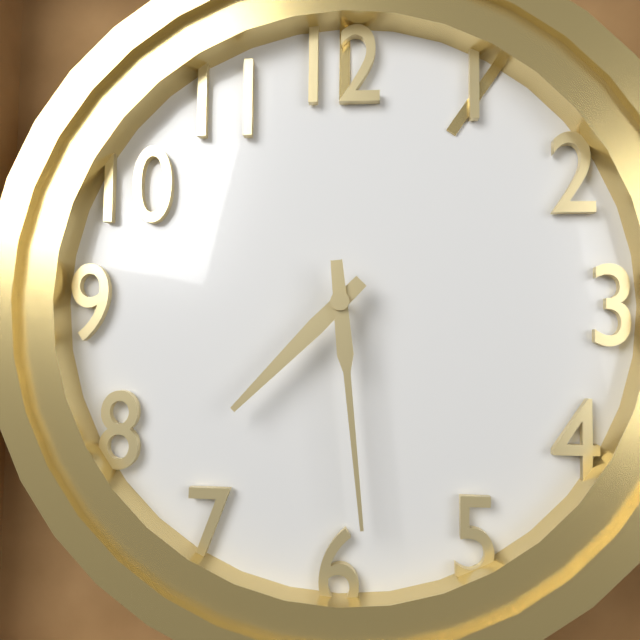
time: 7:29
